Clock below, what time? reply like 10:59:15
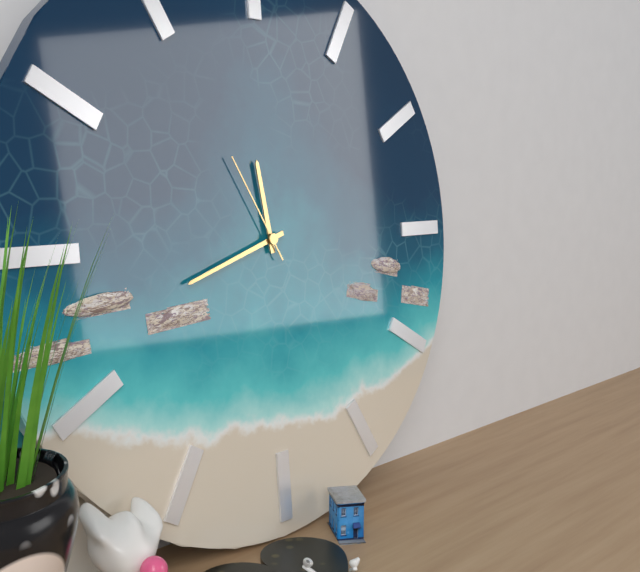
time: 11:42:55
